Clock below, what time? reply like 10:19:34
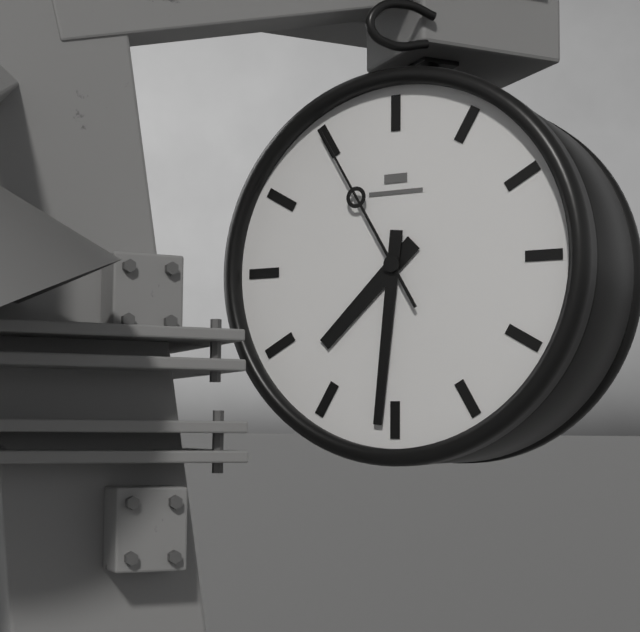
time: 7:31:55
